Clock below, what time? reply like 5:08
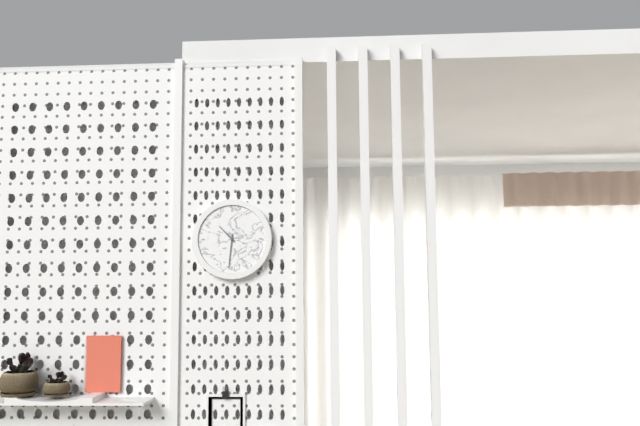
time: 10:31
